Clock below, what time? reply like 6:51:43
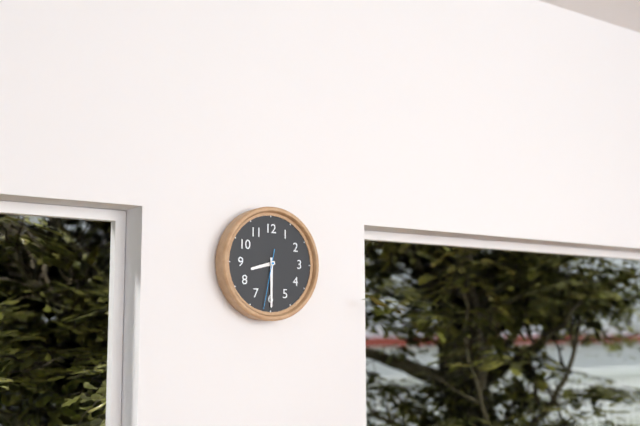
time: 8:30:32
